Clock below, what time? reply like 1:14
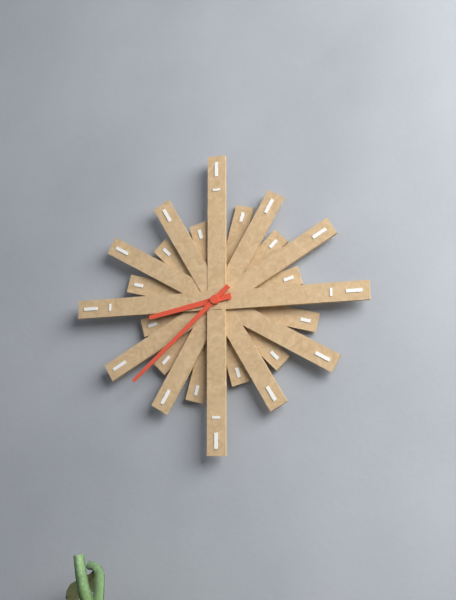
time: 8:38
